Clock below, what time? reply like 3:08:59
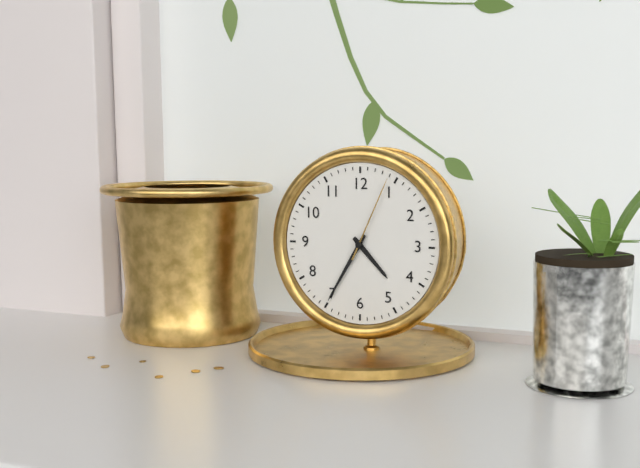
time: 4:35:04
